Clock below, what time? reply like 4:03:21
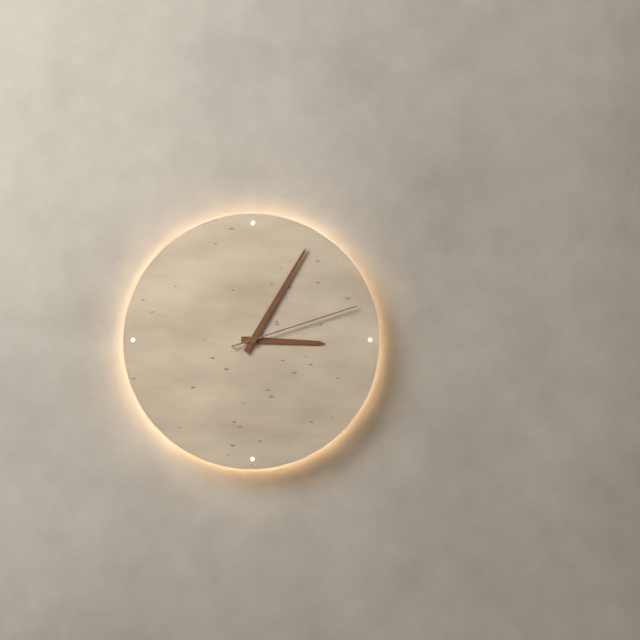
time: 3:05:12
